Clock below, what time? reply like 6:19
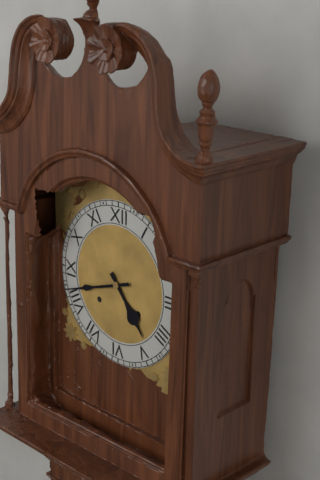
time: 4:42
